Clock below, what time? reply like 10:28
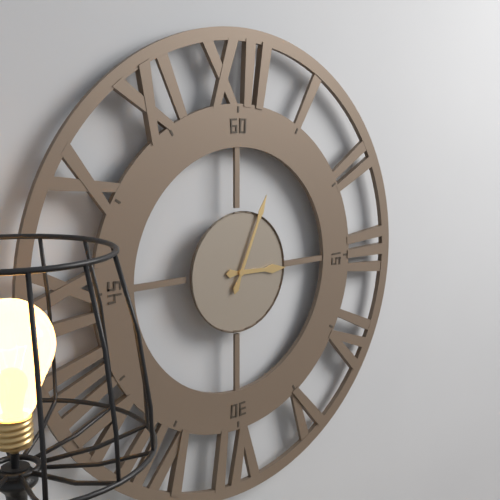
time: 3:04
